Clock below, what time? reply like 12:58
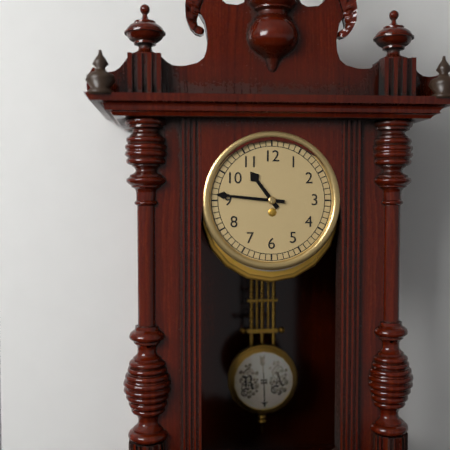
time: 10:46
